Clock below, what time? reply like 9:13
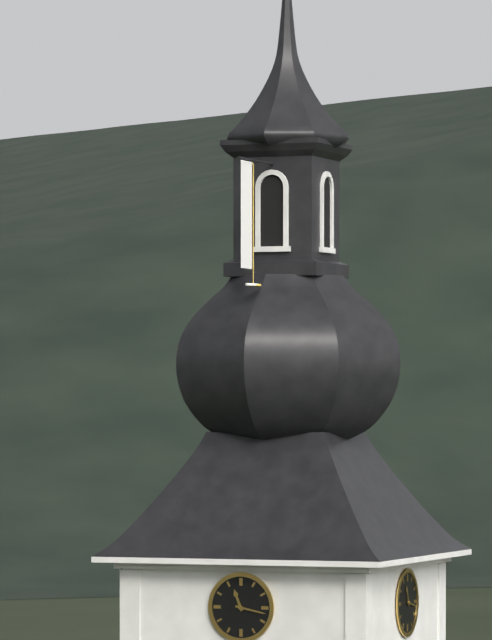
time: 11:17
